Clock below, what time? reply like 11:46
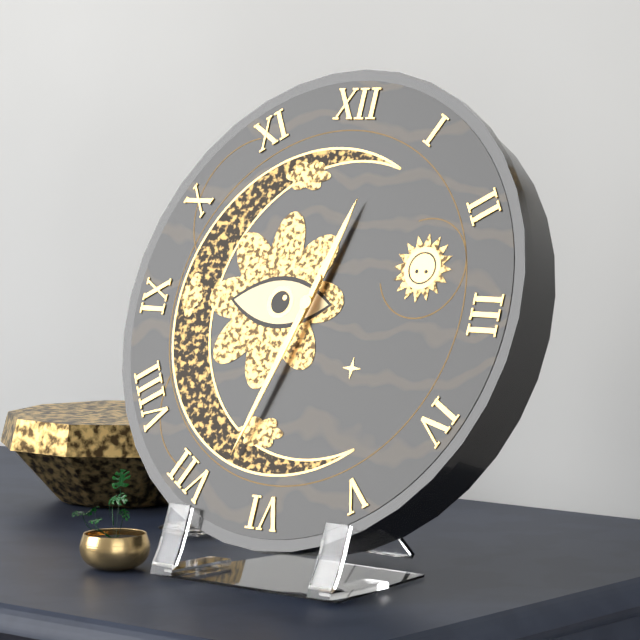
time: 12:33
